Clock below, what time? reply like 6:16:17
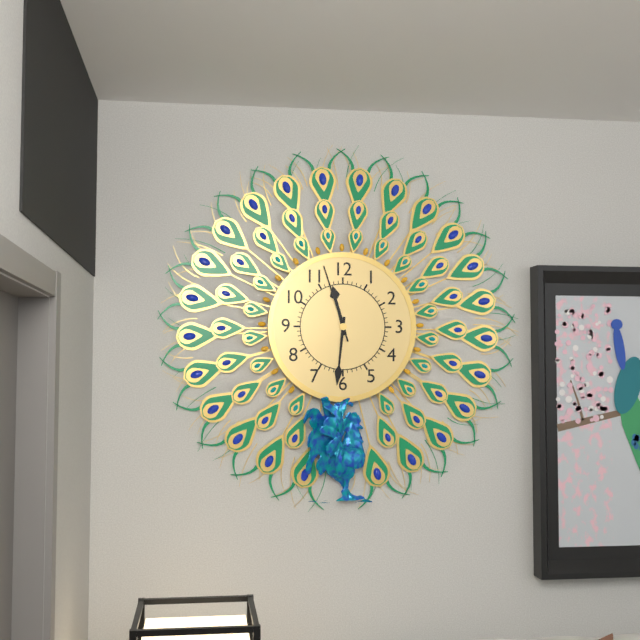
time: 11:31:57
